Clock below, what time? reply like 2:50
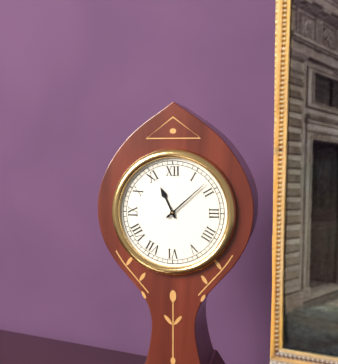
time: 11:08
